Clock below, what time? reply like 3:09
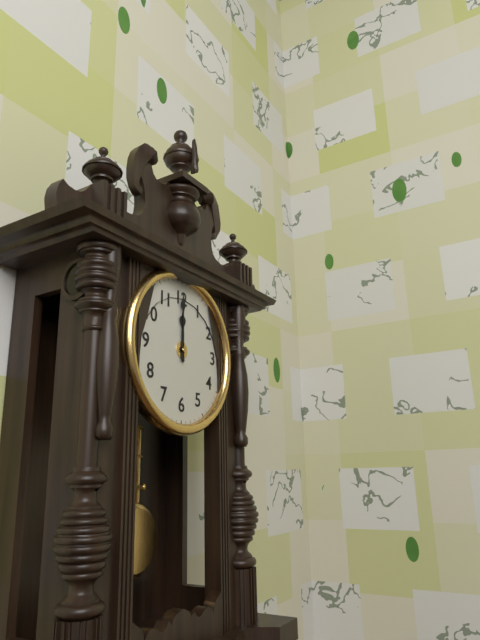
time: 12:00
